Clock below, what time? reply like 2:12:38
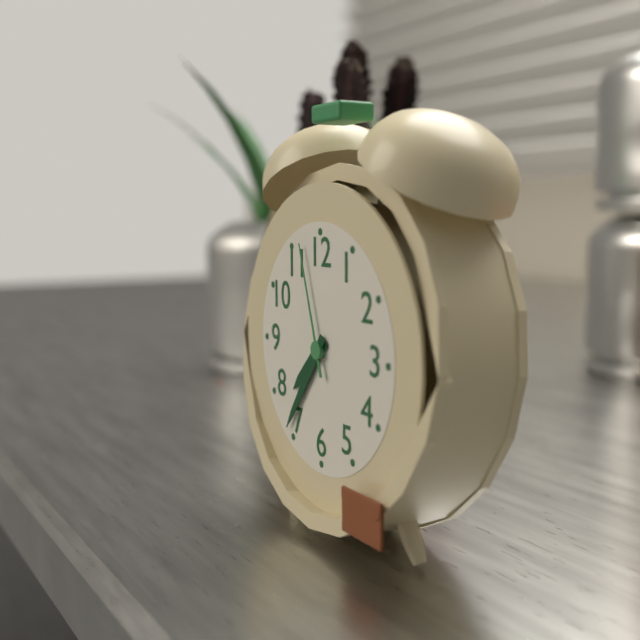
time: 7:36:57
